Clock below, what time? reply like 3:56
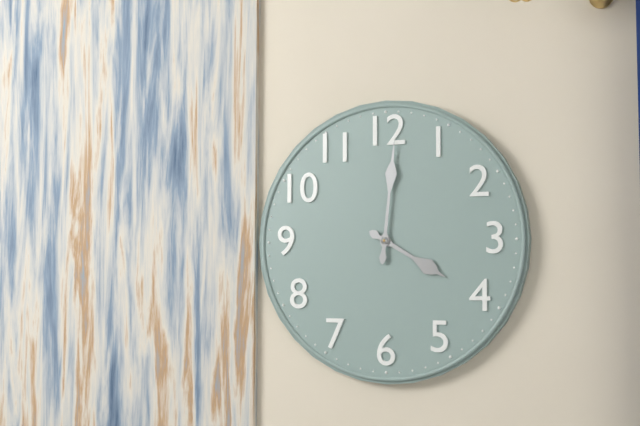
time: 4:01
